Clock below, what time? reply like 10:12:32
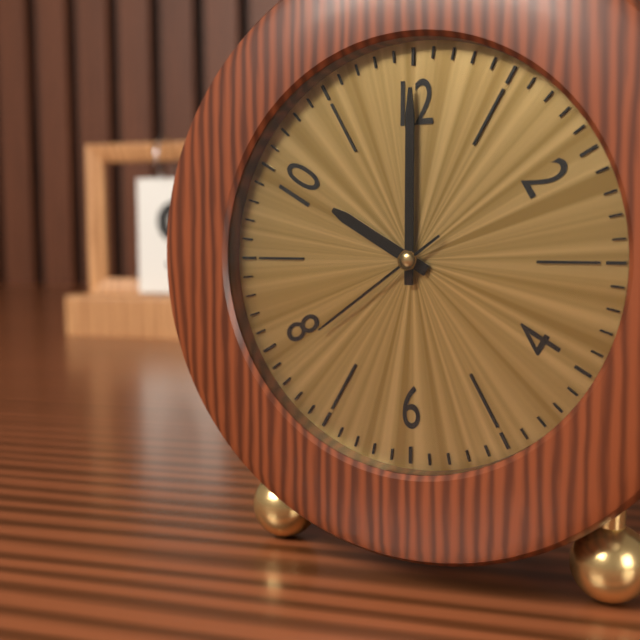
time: 10:00:39
